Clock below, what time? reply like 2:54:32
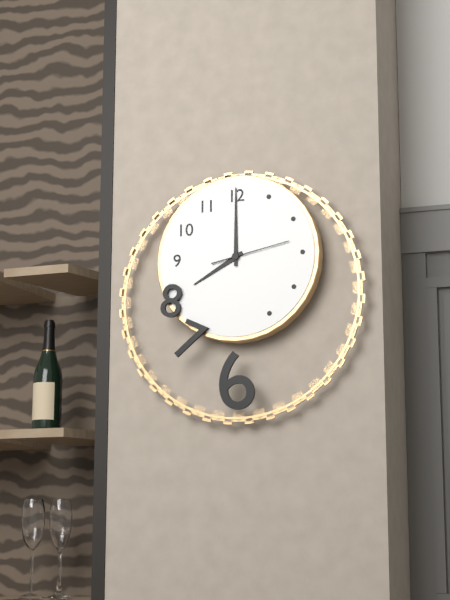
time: 8:00:13
